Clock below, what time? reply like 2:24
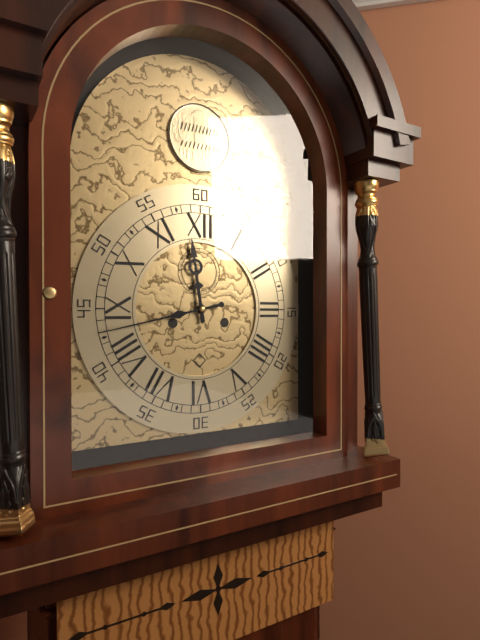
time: 11:43
